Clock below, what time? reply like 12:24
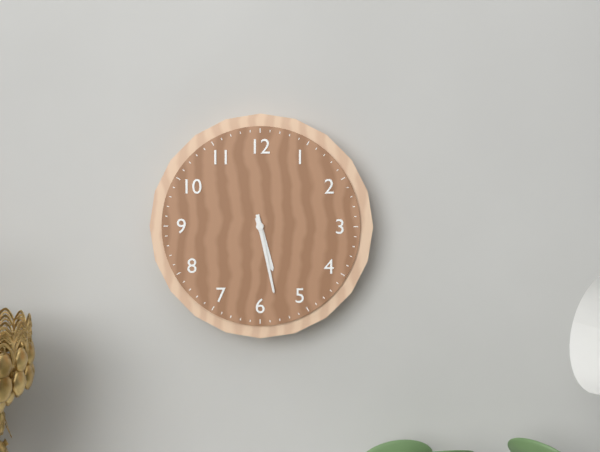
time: 5:28
